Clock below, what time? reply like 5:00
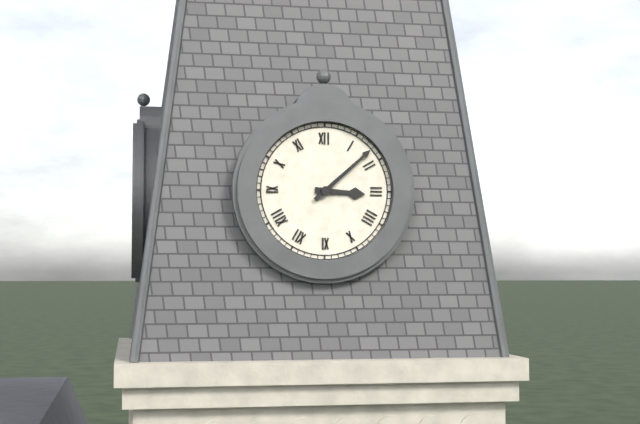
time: 3:08
